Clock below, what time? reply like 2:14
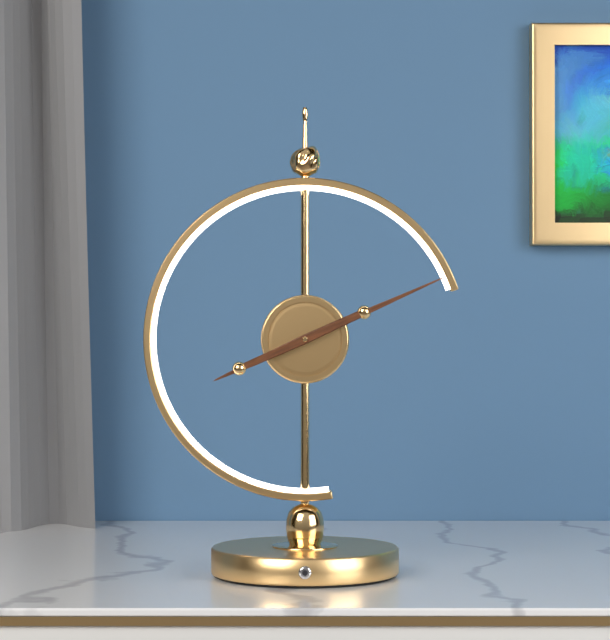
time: 8:11
